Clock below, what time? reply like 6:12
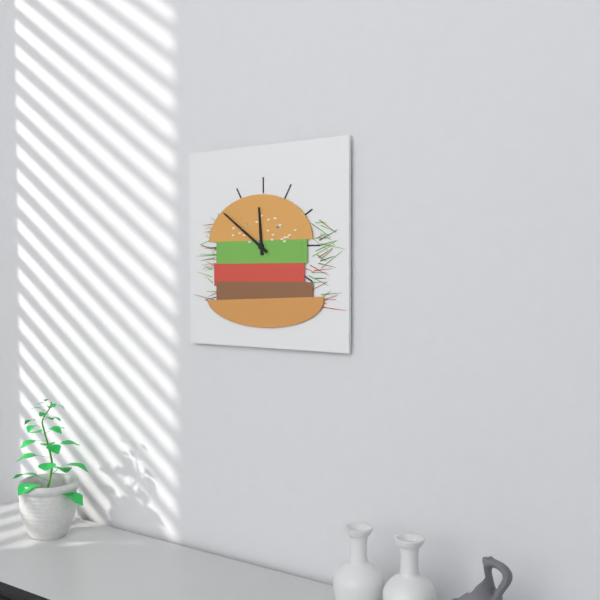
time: 11:51
